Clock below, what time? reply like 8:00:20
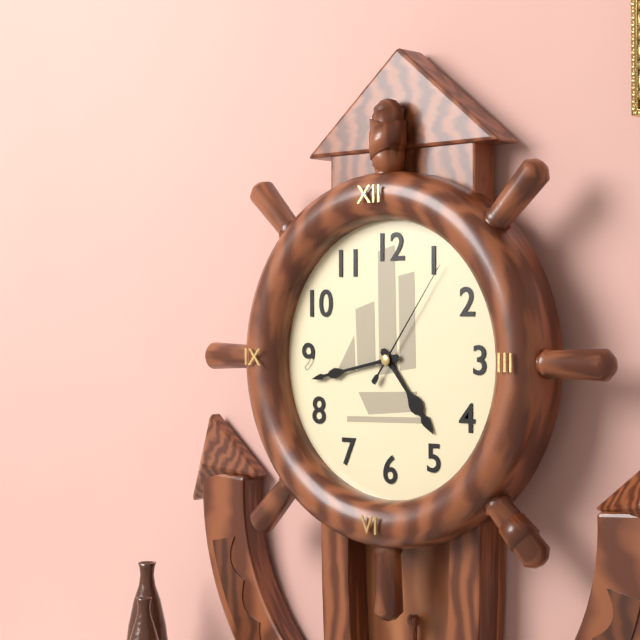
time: 4:43:06
